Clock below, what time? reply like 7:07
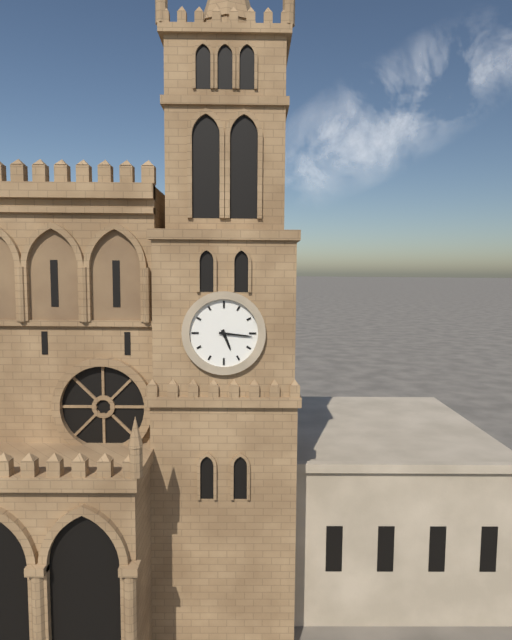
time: 5:16
